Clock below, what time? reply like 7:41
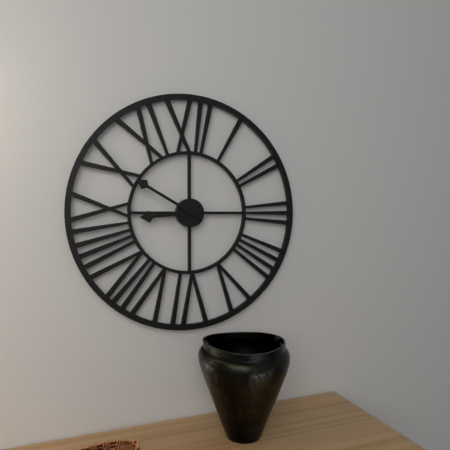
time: 8:50
